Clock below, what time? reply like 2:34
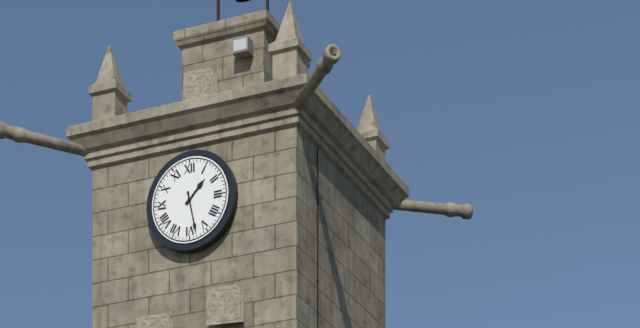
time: 1:28
